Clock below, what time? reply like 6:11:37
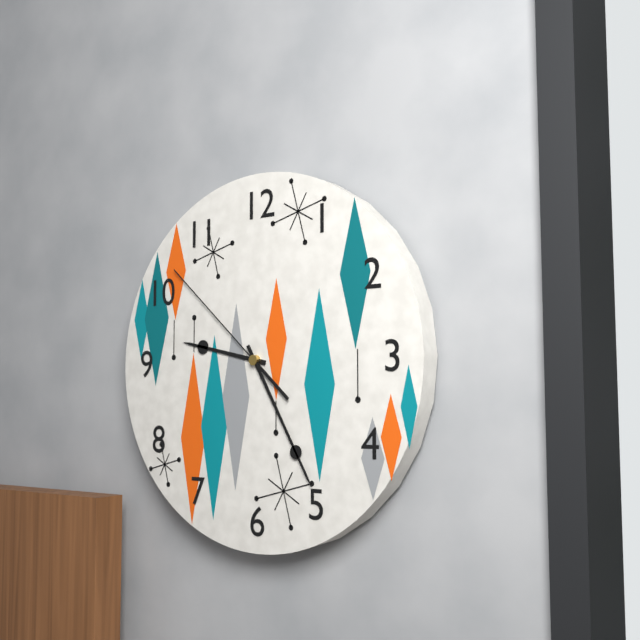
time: 9:25:52
